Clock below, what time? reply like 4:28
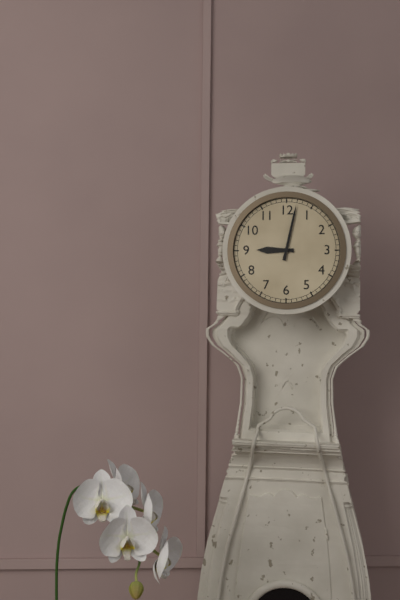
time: 9:02
